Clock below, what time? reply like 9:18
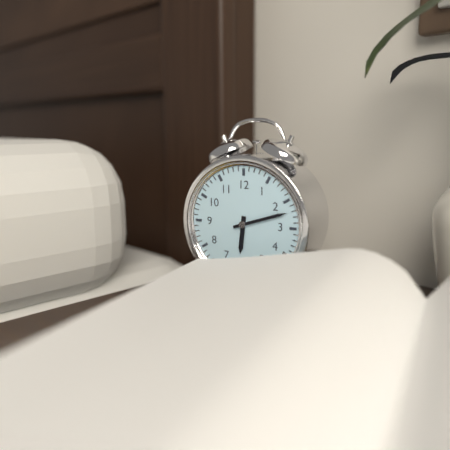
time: 6:12
